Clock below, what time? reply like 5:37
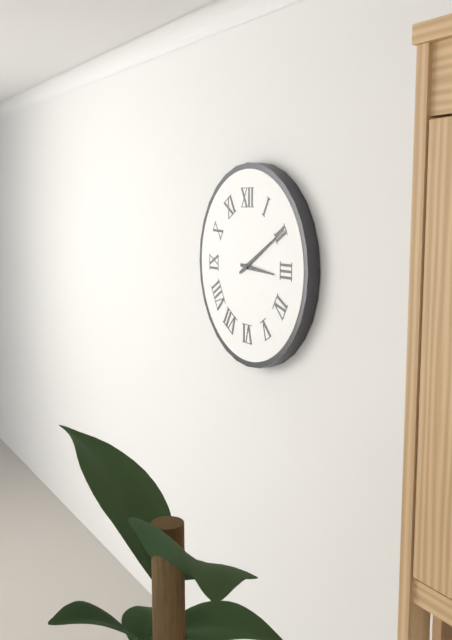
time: 3:10
